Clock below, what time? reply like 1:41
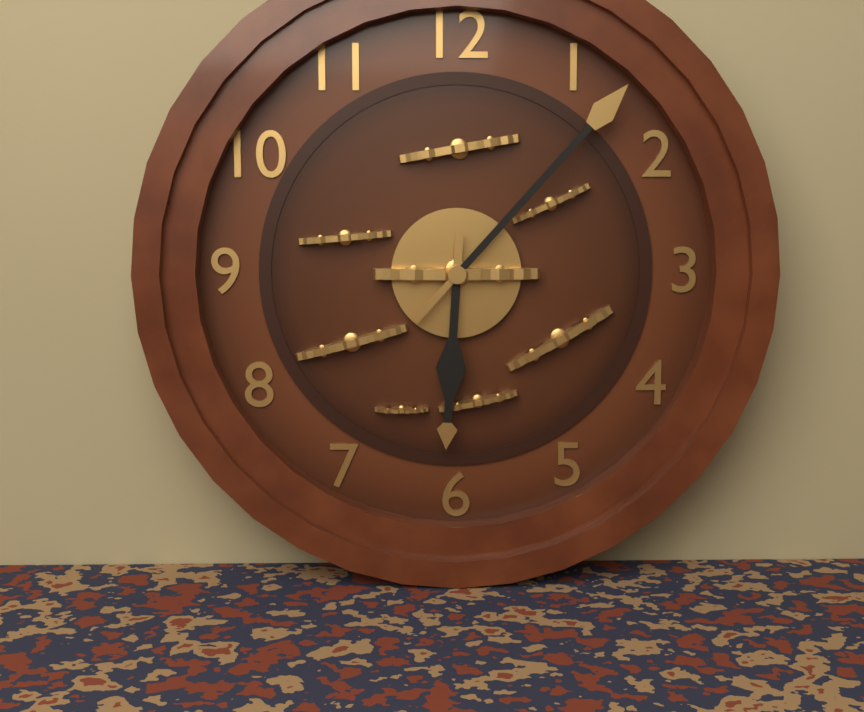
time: 6:07
